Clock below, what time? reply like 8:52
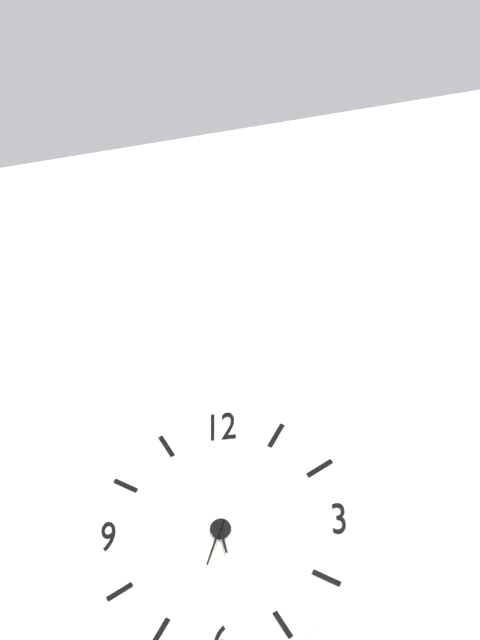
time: 5:33
